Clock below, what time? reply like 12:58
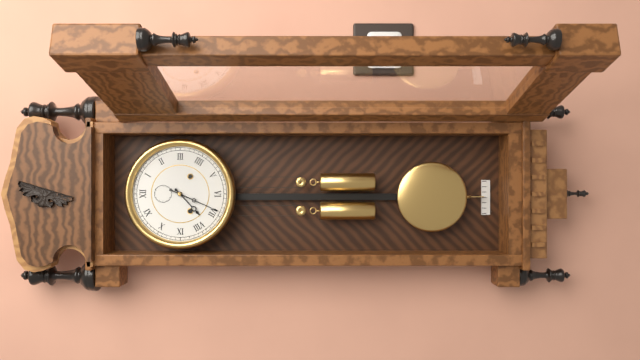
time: 7:34
